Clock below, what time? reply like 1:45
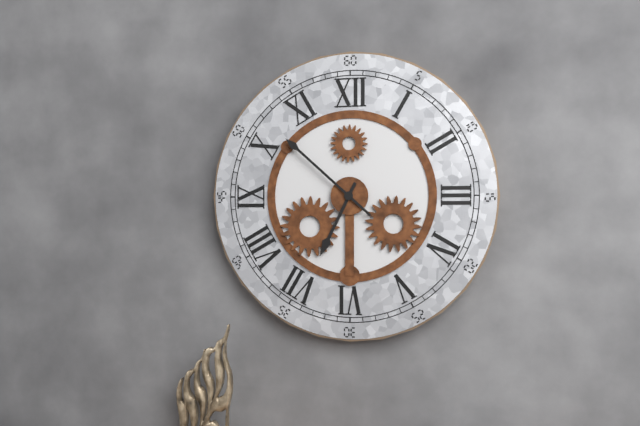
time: 6:52
